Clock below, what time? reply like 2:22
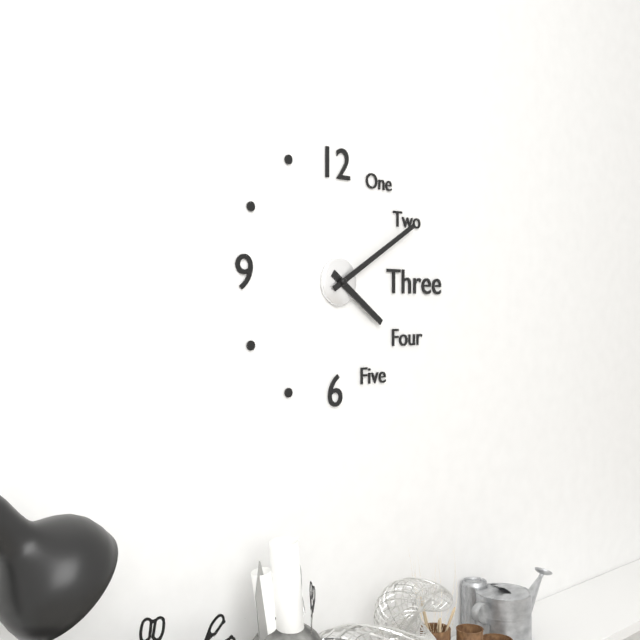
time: 4:10
